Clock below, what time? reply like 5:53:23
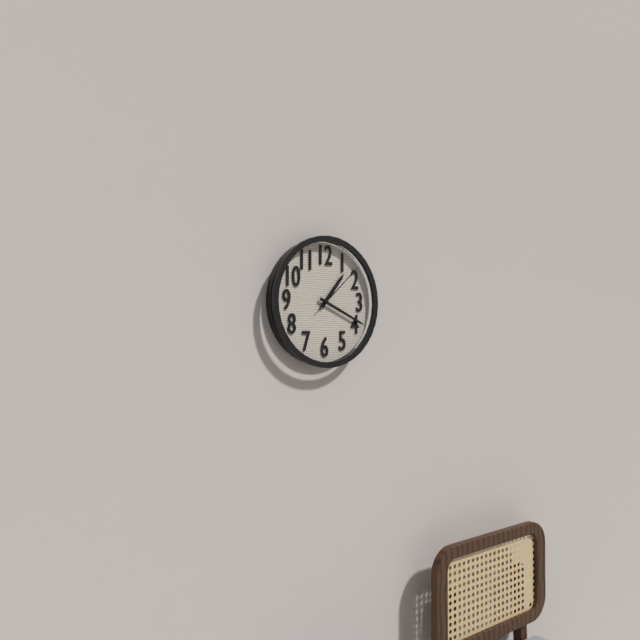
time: 1:19:08
